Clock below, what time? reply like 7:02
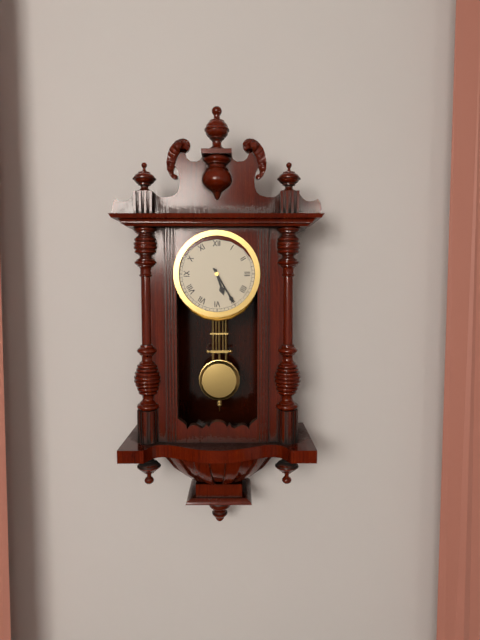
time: 5:25
